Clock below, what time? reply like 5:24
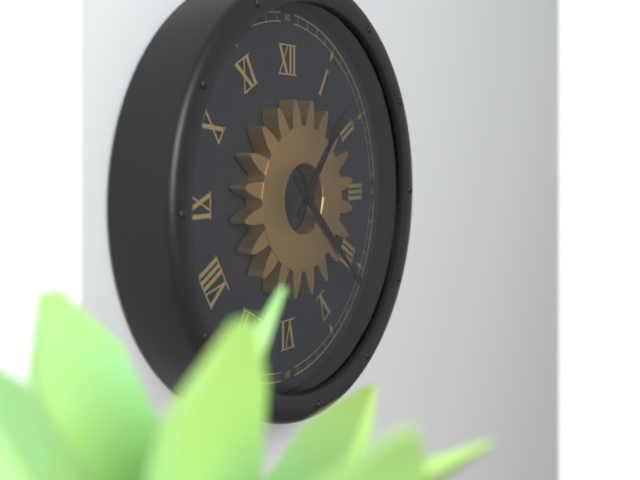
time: 1:22
